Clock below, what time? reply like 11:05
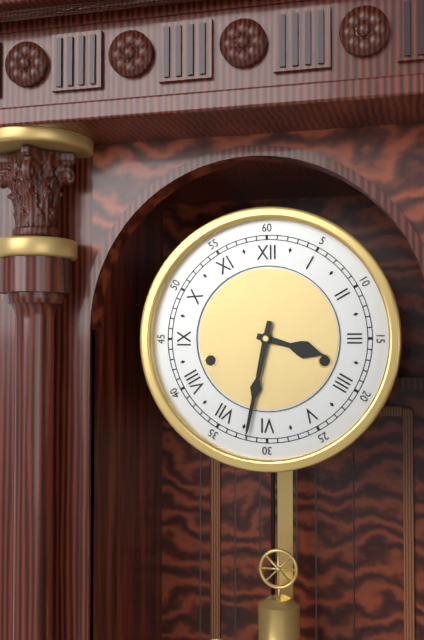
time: 3:32
